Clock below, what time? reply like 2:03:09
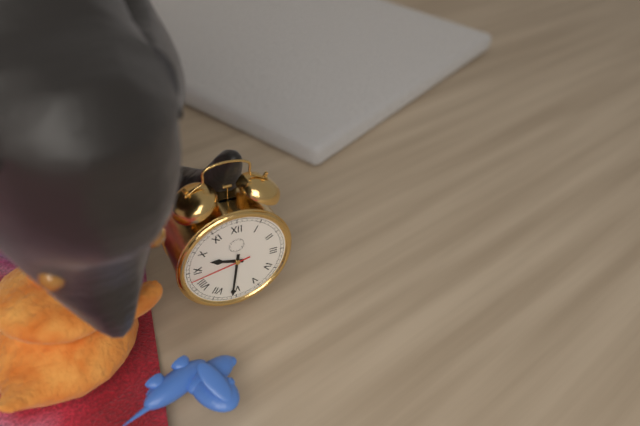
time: 9:31:43
